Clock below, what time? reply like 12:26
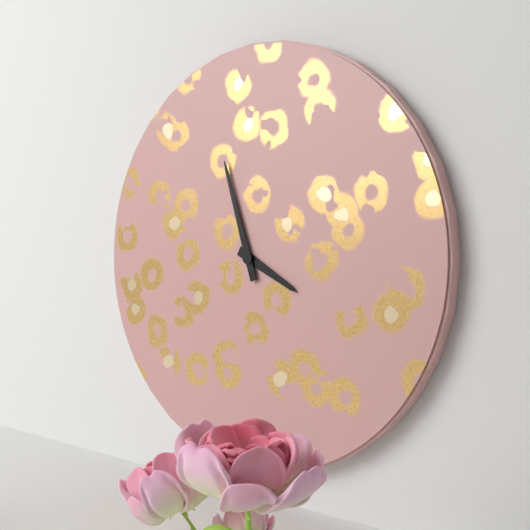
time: 3:57
